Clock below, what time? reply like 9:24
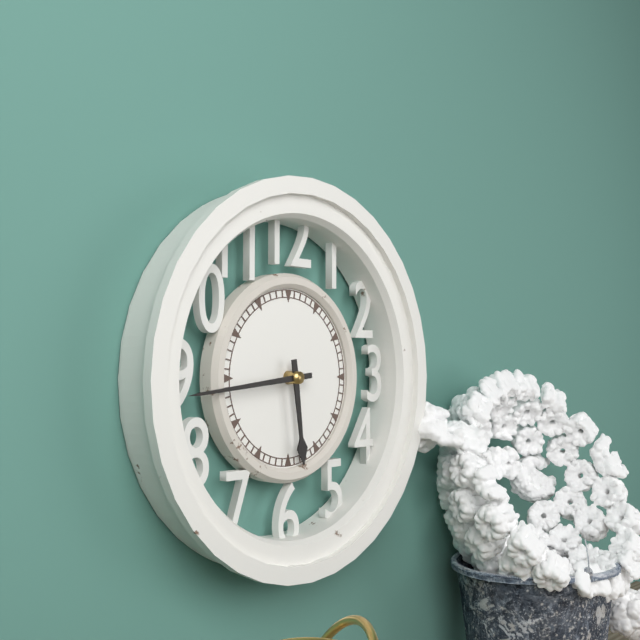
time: 5:44
